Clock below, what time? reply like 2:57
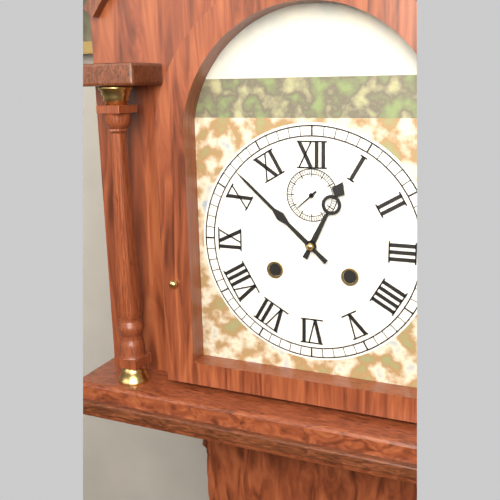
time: 12:52
